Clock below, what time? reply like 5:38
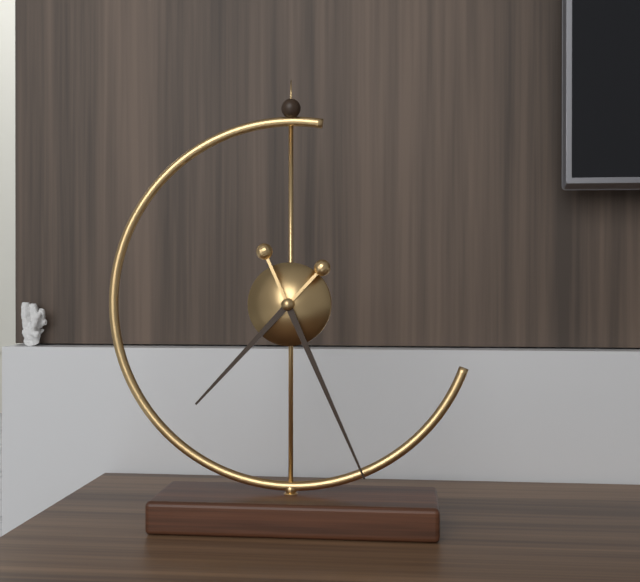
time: 7:26
